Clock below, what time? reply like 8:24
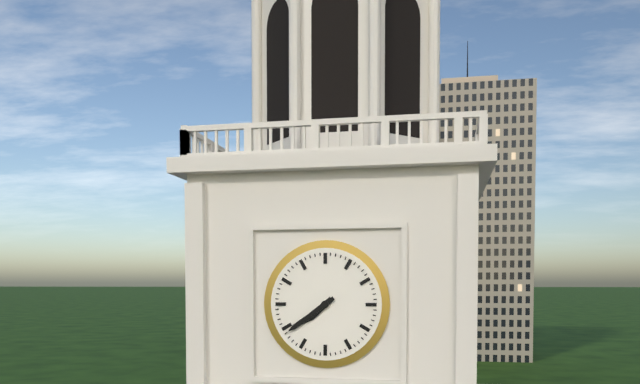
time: 7:39
